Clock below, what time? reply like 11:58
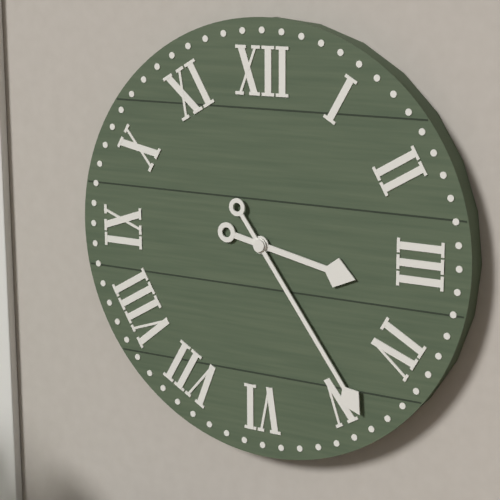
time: 3:24
